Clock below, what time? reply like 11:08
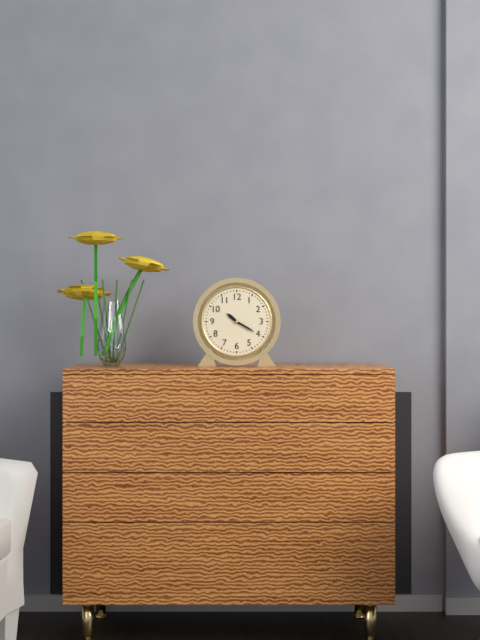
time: 10:20
